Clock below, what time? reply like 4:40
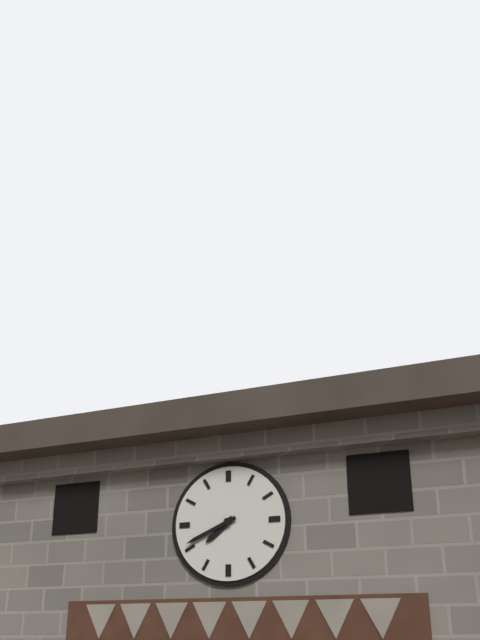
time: 7:41
